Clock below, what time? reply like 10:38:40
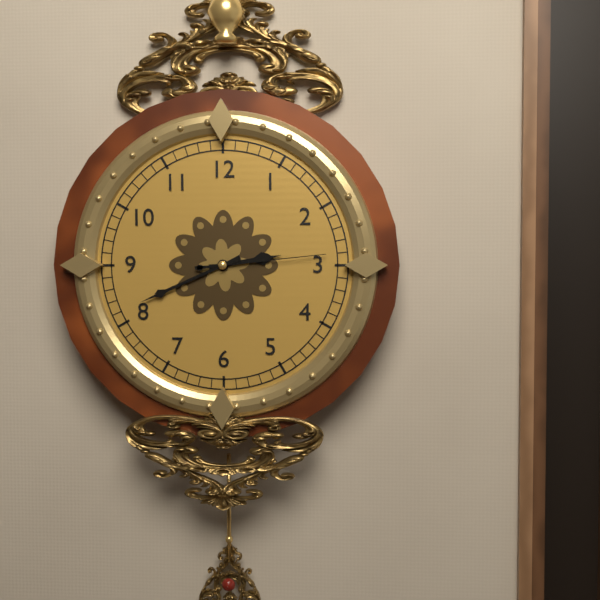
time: 2:41:14
